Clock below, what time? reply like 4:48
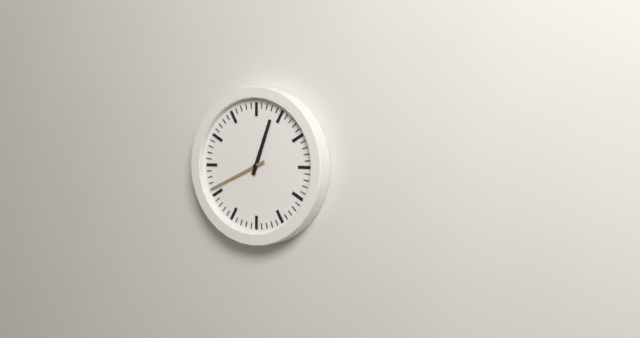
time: 12:41
